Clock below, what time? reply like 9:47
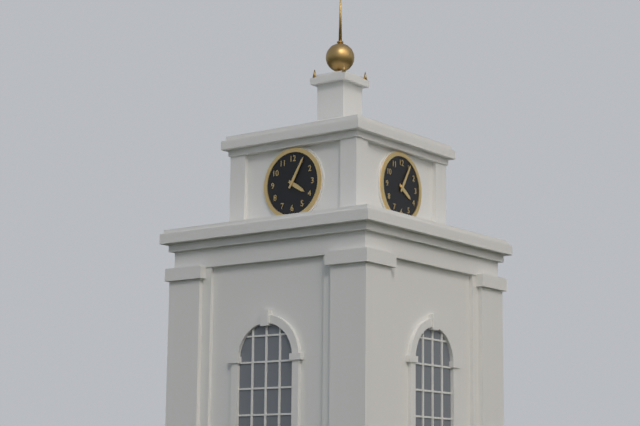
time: 4:05
